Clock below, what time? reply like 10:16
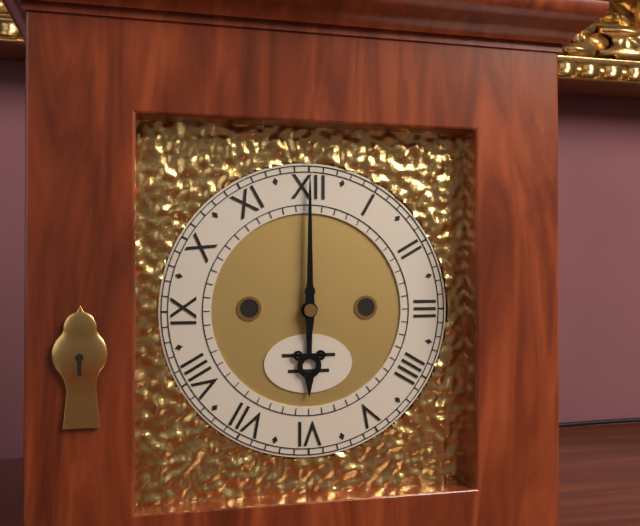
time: 6:00
